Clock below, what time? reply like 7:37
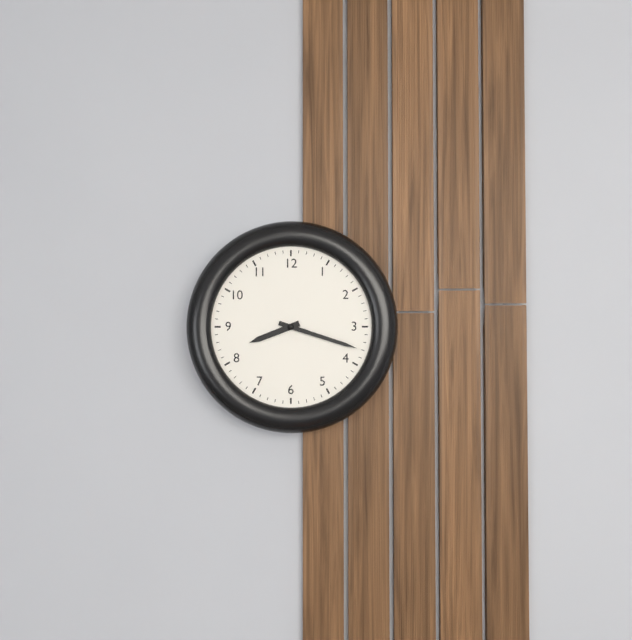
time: 8:18
